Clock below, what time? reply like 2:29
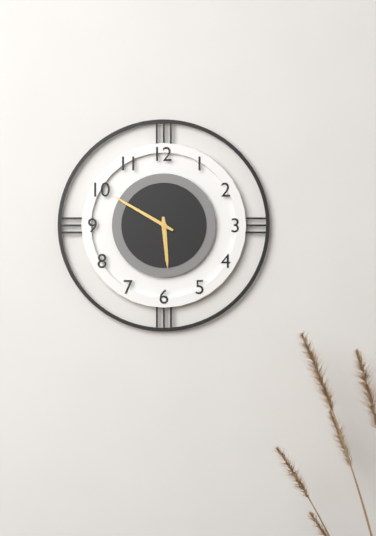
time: 5:50
